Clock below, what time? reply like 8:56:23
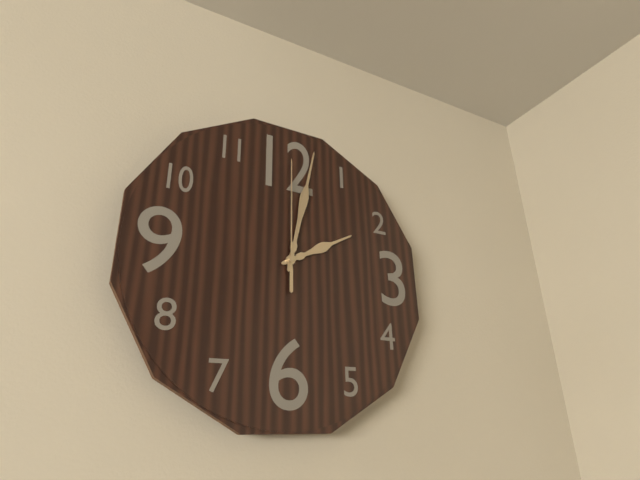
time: 2:02:00
